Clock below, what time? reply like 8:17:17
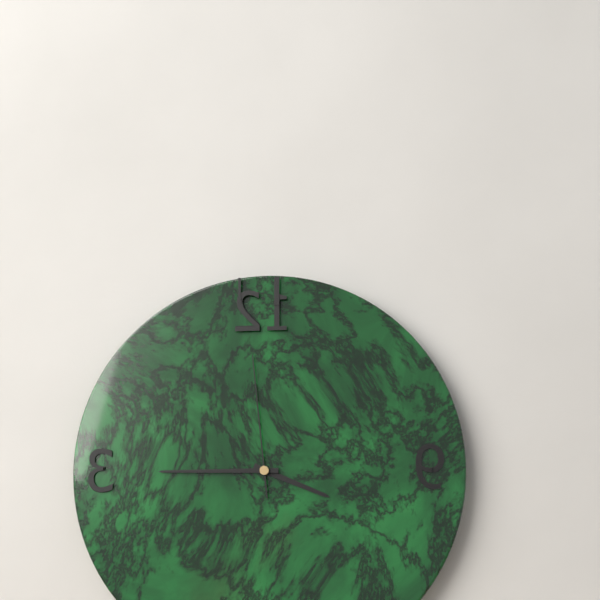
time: 3:45:59
